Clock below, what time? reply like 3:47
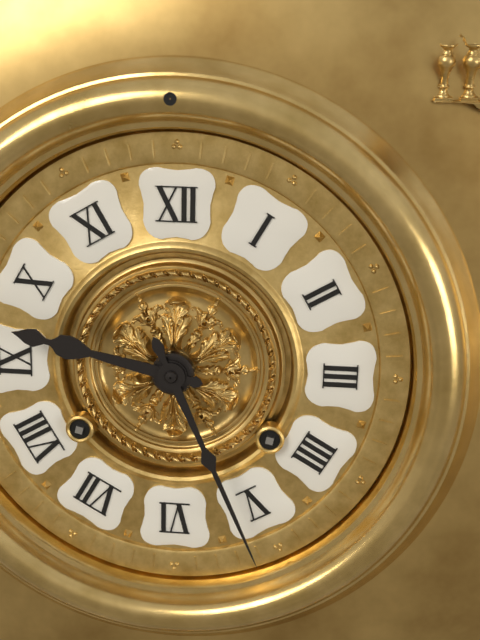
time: 9:26
